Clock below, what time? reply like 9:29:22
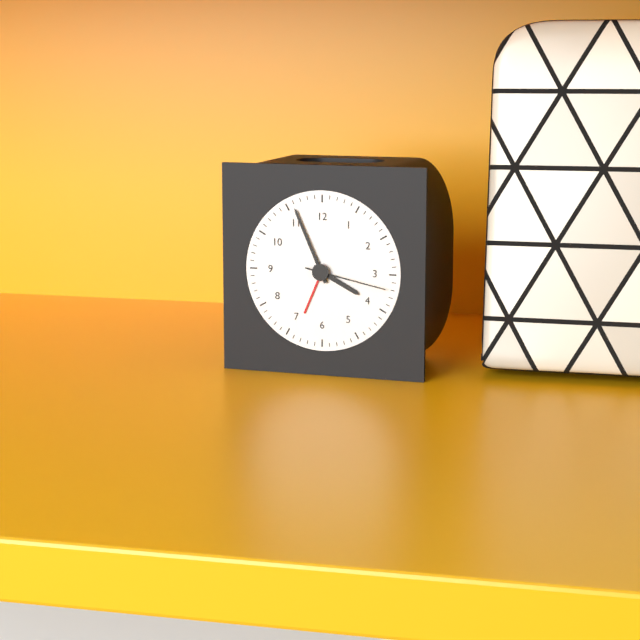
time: 3:56:17
